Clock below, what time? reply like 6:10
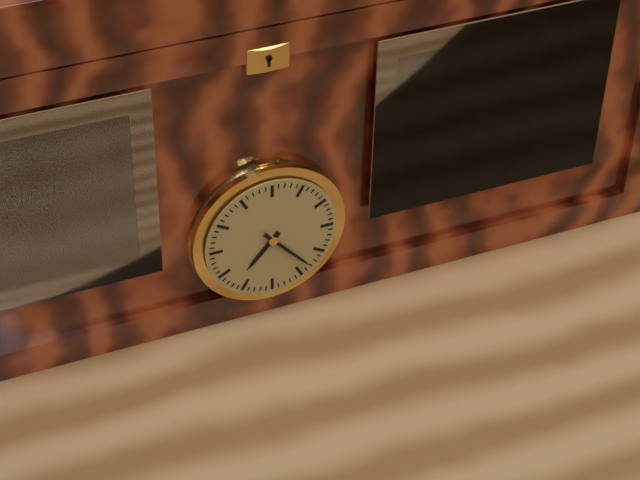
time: 7:23
